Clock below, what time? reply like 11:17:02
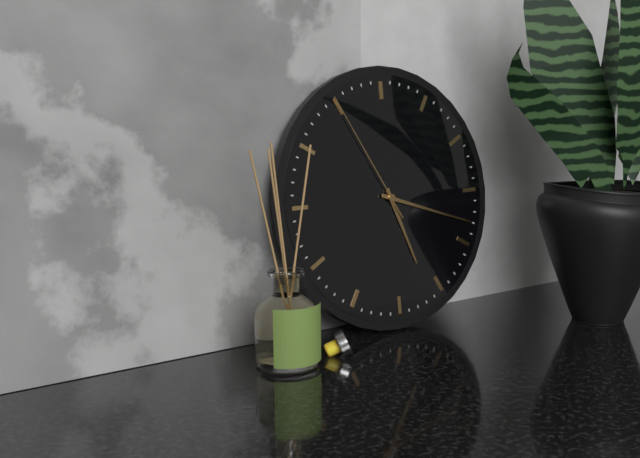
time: 5:18:55
